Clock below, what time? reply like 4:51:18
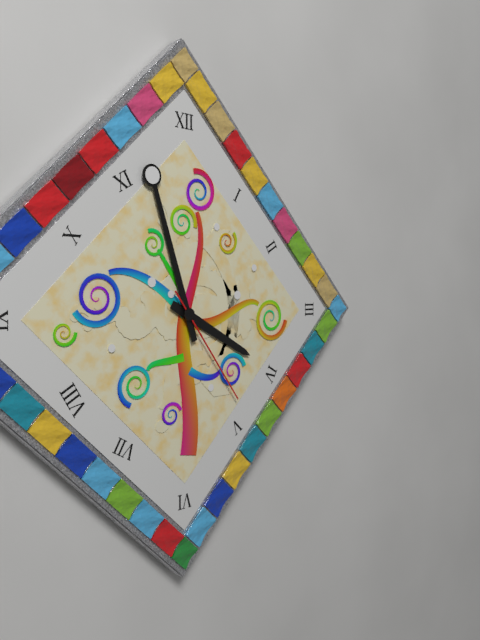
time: 3:57:24
